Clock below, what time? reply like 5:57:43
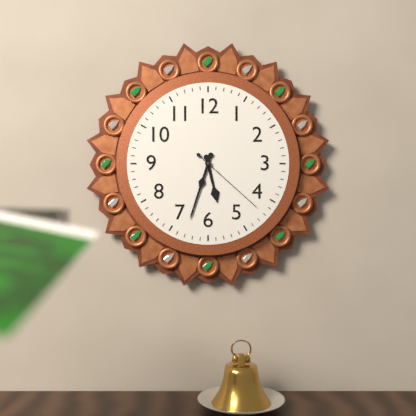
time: 5:33:22
